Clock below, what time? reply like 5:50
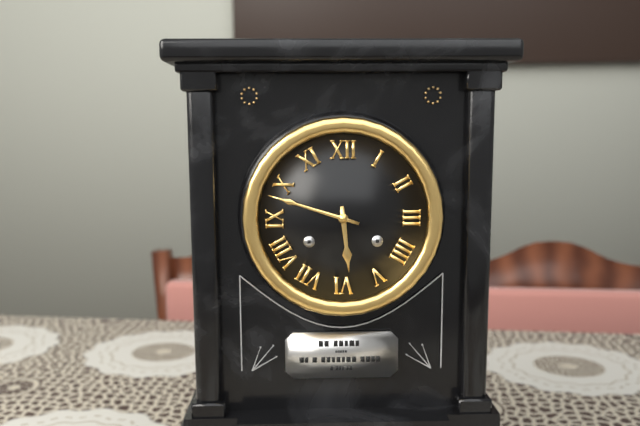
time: 5:48
